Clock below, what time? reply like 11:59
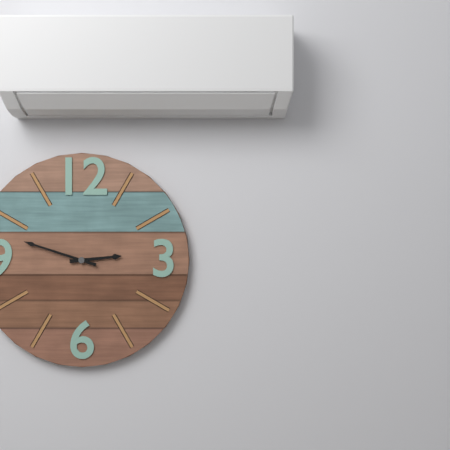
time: 2:48
